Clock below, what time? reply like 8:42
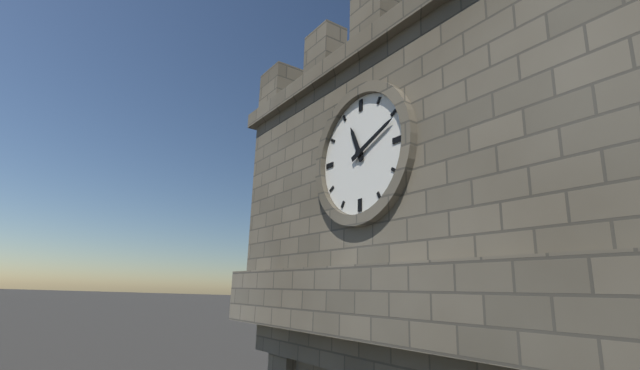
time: 11:11
